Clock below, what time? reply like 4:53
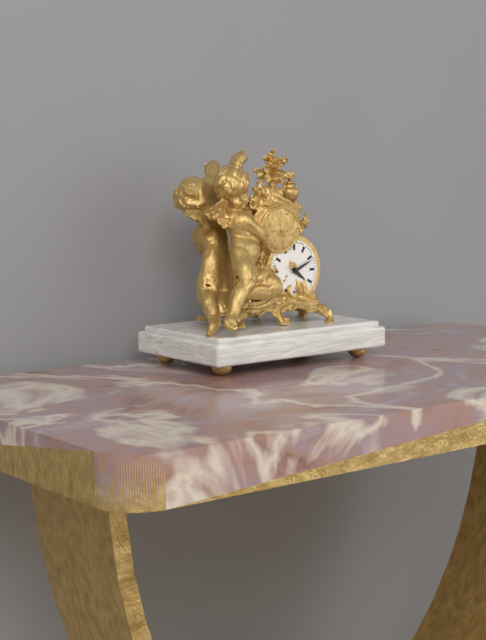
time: 4:11
